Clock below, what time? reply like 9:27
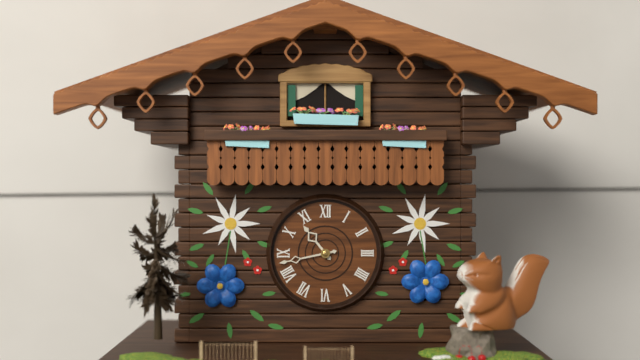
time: 10:43
